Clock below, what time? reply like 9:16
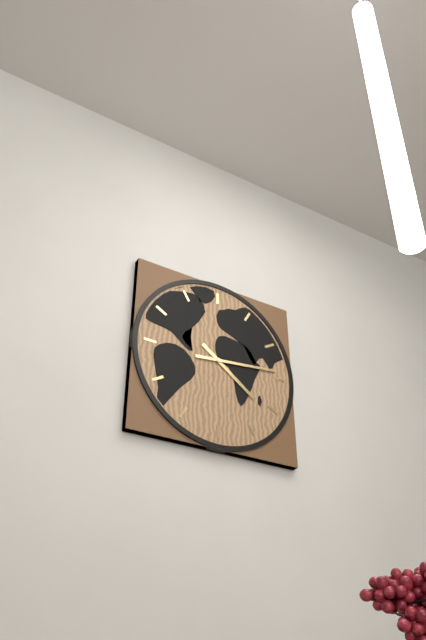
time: 4:14
